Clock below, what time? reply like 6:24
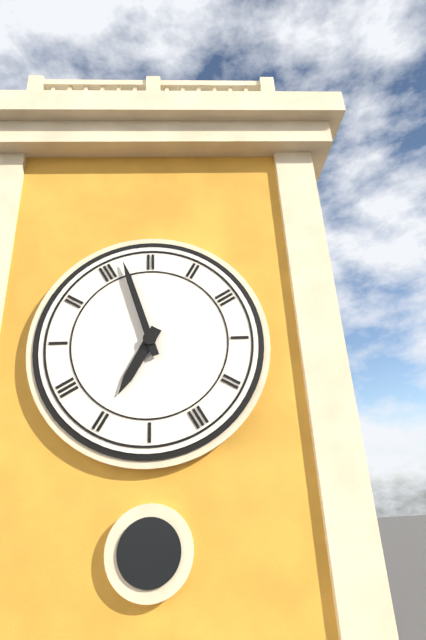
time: 6:57
